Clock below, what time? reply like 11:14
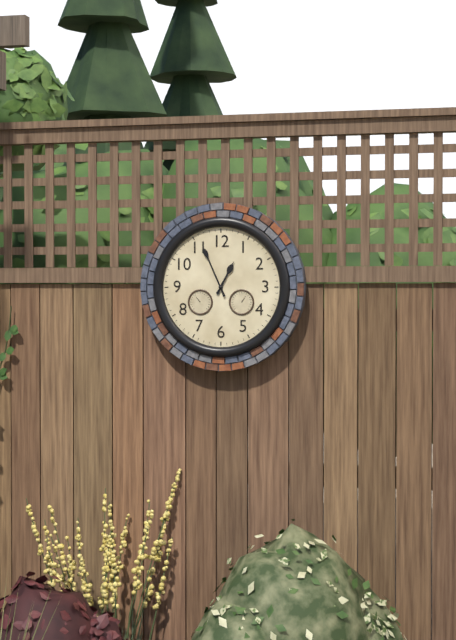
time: 12:56
